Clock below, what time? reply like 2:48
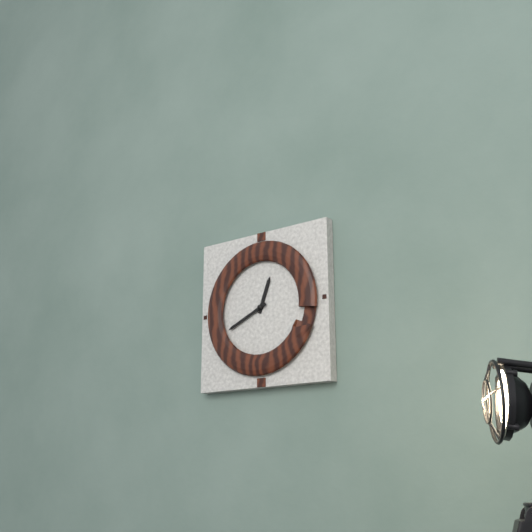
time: 12:41
